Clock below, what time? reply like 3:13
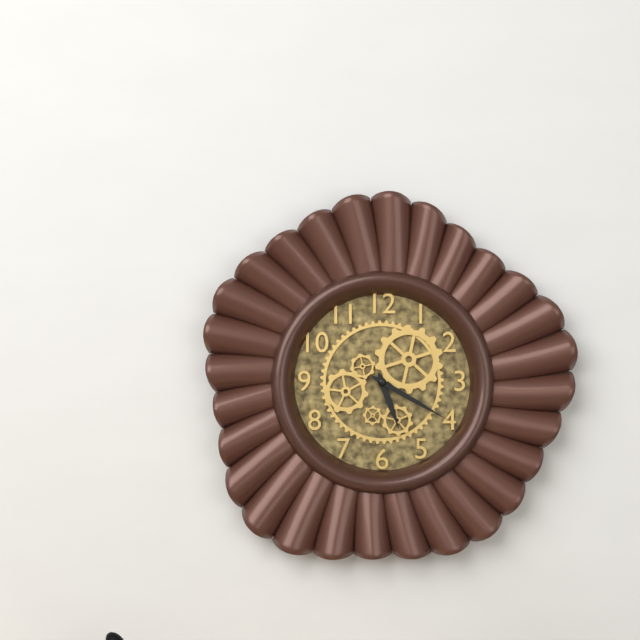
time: 5:20
